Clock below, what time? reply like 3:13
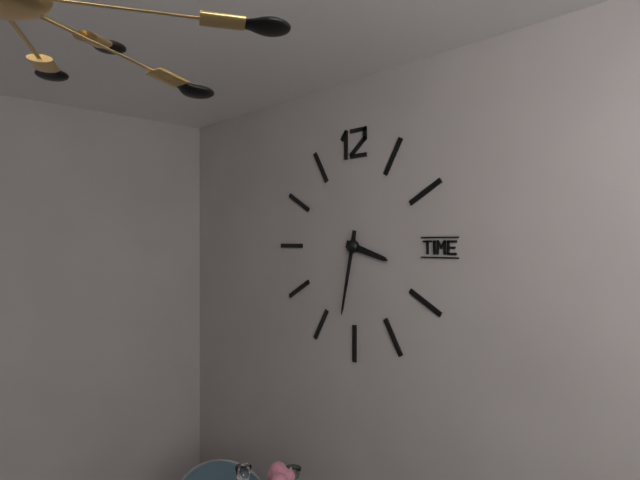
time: 3:32
